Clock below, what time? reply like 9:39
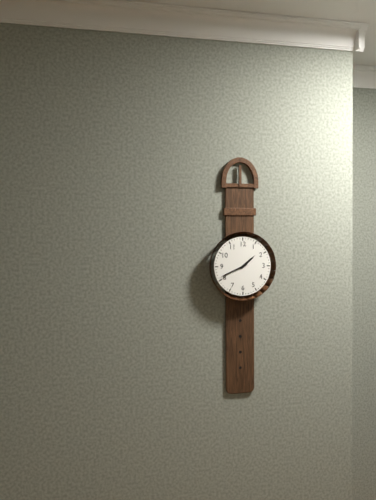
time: 1:41
